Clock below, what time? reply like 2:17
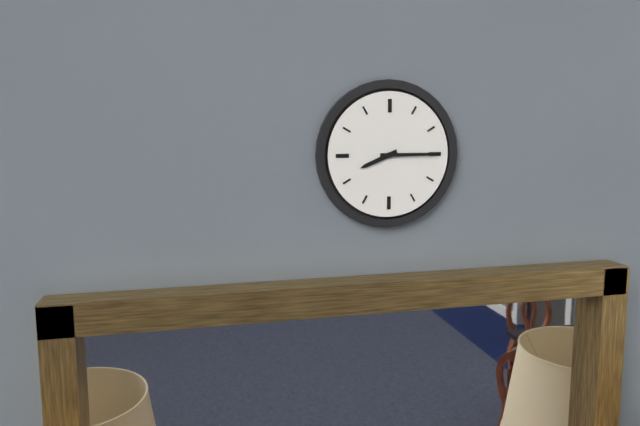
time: 8:15
